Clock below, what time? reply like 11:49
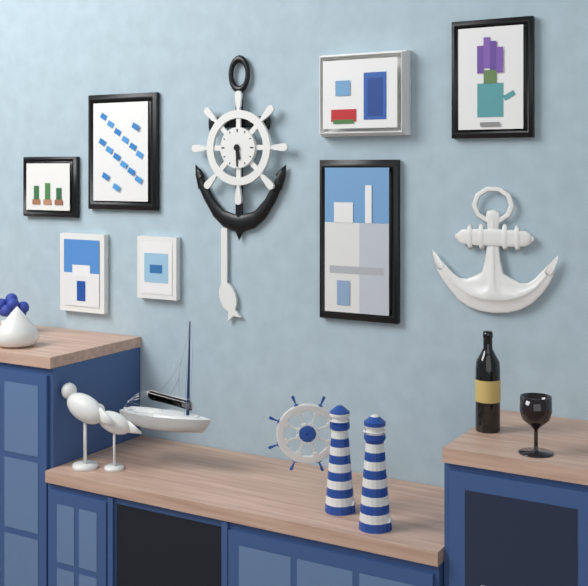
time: 5:30
